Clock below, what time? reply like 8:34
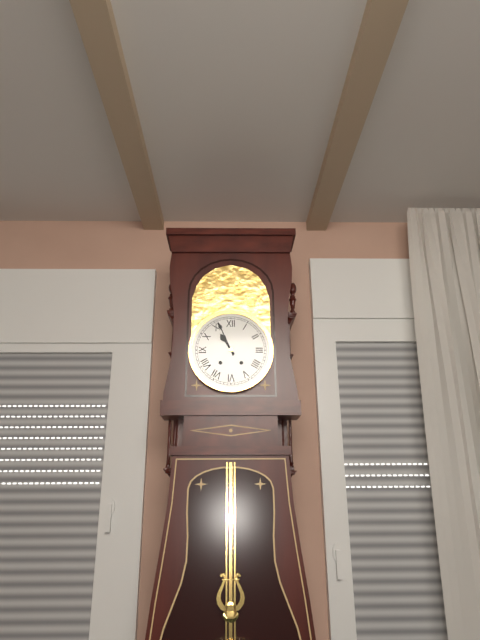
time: 10:56
